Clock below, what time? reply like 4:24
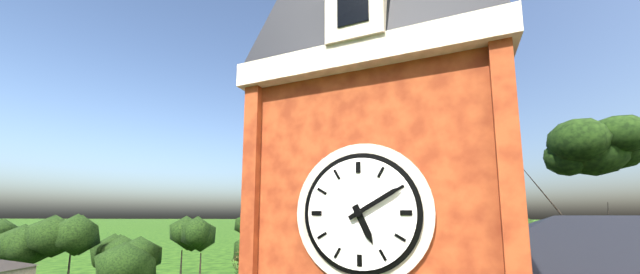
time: 5:10
